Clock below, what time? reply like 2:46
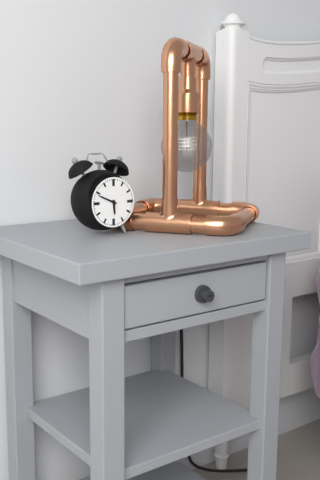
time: 5:49
